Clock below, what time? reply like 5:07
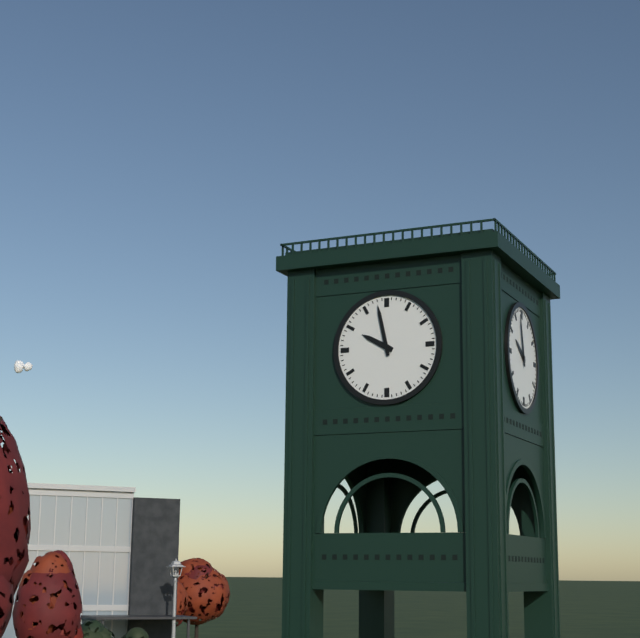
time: 9:58
